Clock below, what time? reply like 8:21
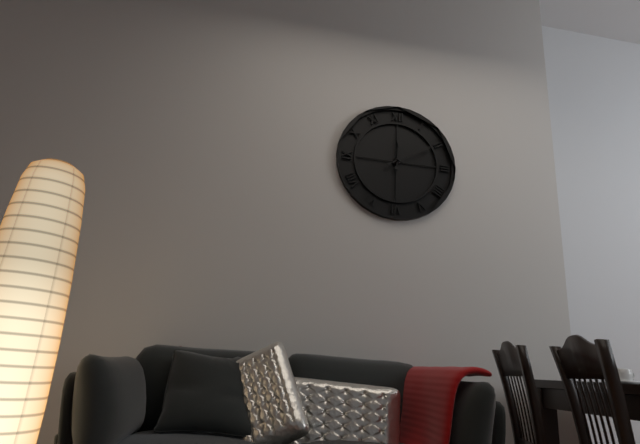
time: 12:10
